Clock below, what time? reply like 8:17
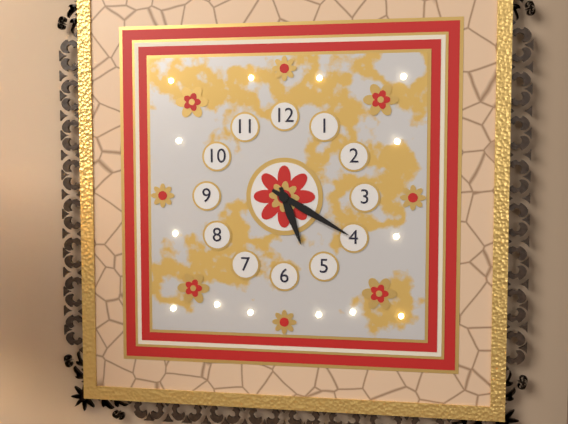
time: 5:20
